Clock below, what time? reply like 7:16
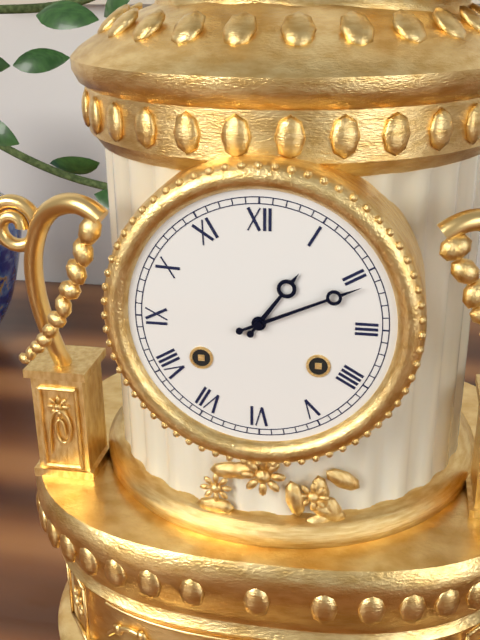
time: 1:11
